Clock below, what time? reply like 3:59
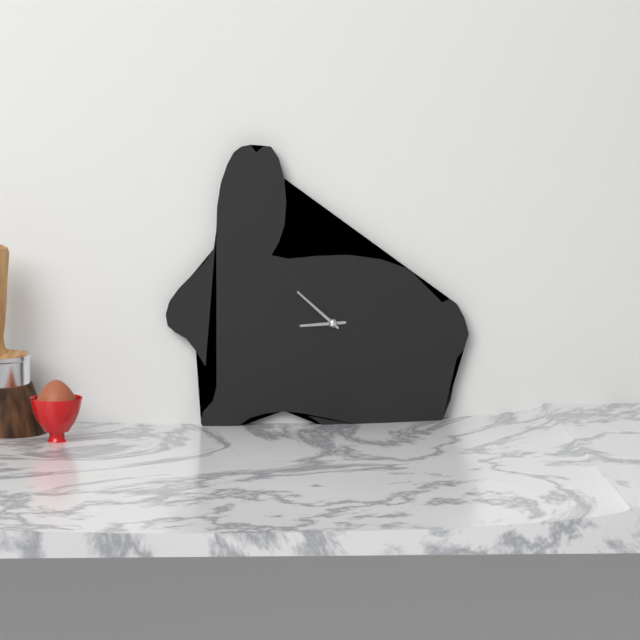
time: 8:52
